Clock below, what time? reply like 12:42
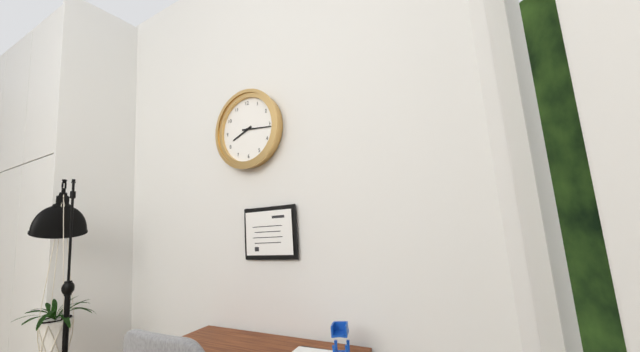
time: 8:16
